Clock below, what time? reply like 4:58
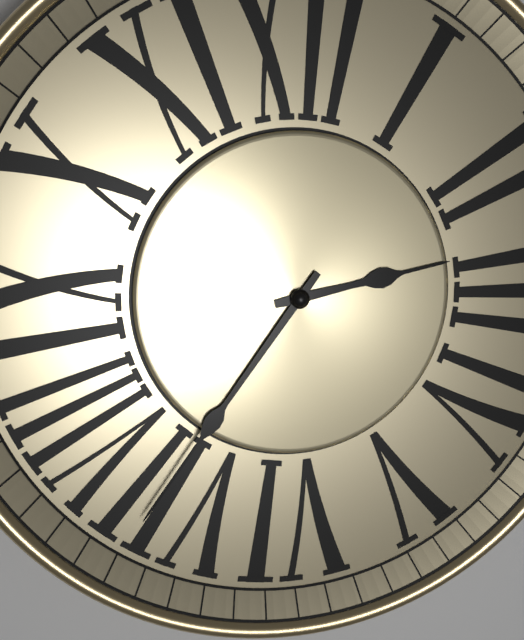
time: 2:36
